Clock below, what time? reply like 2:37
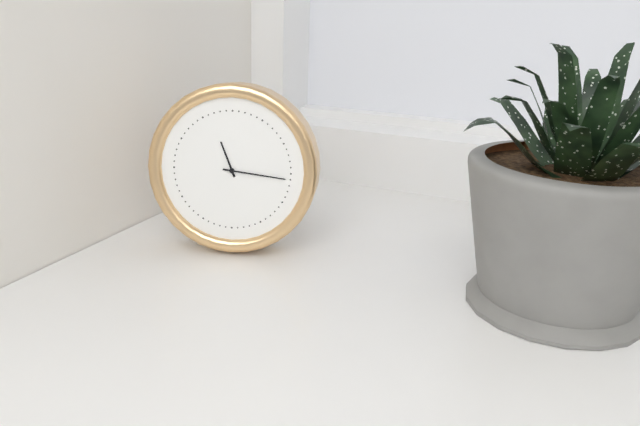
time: 11:16
